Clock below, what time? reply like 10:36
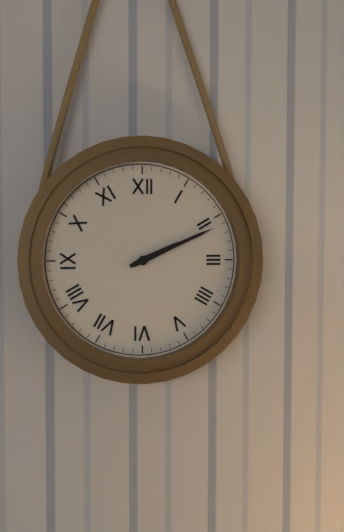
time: 2:11
